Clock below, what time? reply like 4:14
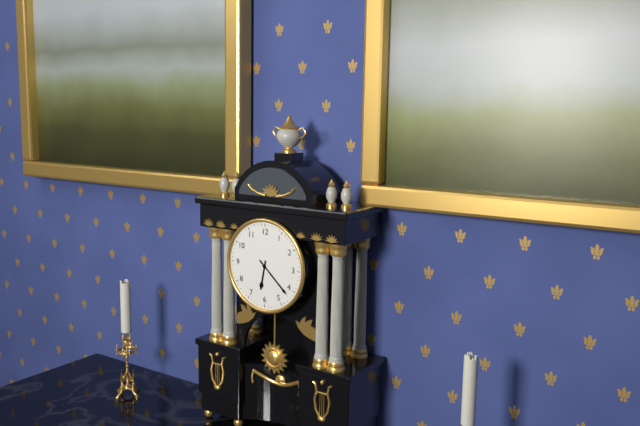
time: 6:22
